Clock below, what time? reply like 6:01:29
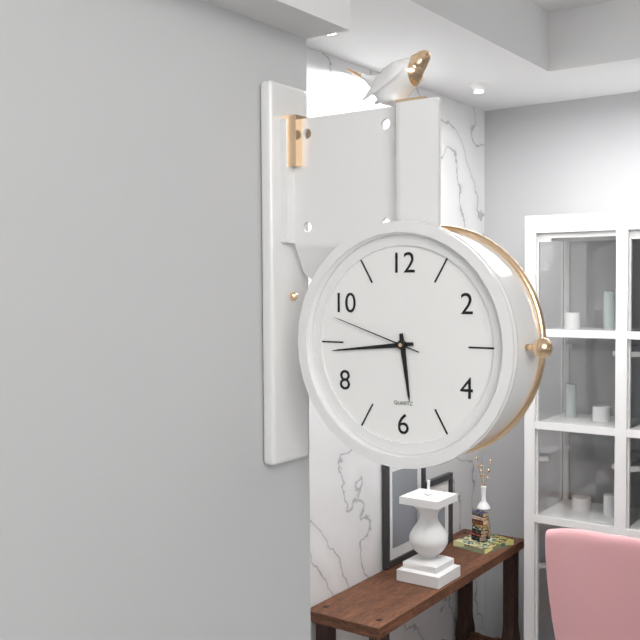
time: 5:44:48
